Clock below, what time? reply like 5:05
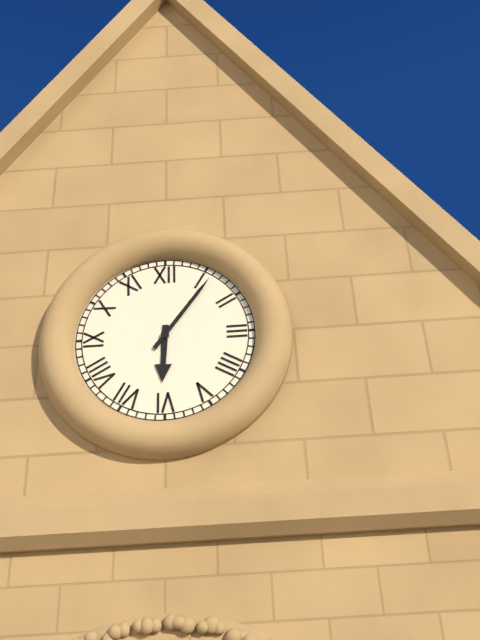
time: 6:06
